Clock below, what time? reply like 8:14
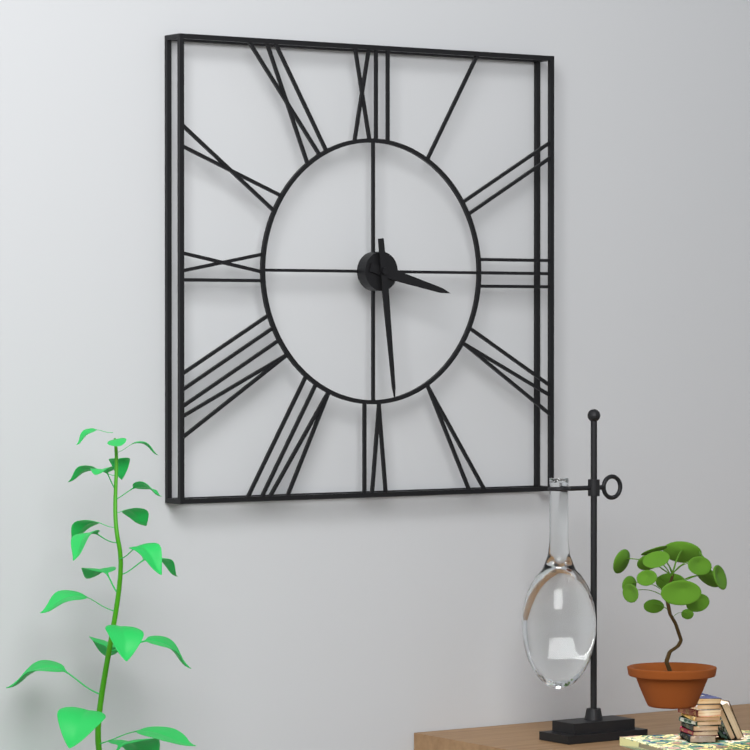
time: 3:29
